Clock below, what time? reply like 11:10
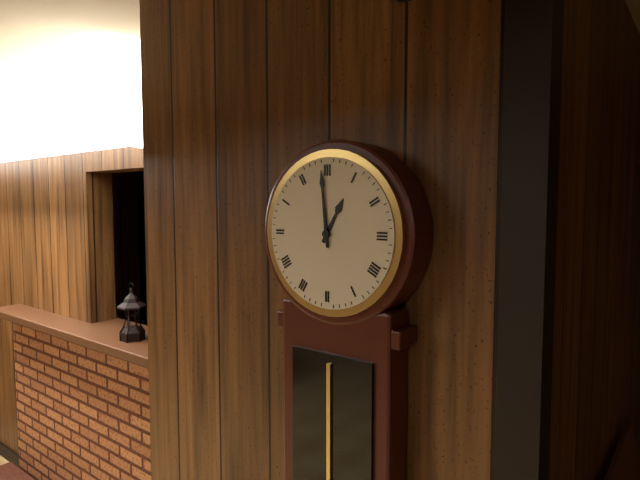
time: 12:59
